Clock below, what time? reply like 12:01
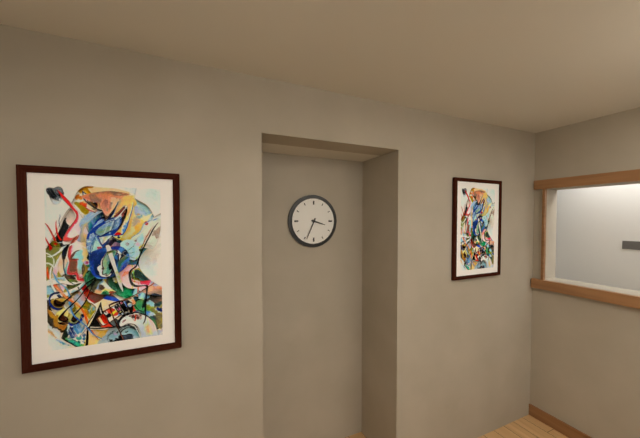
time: 3:34
